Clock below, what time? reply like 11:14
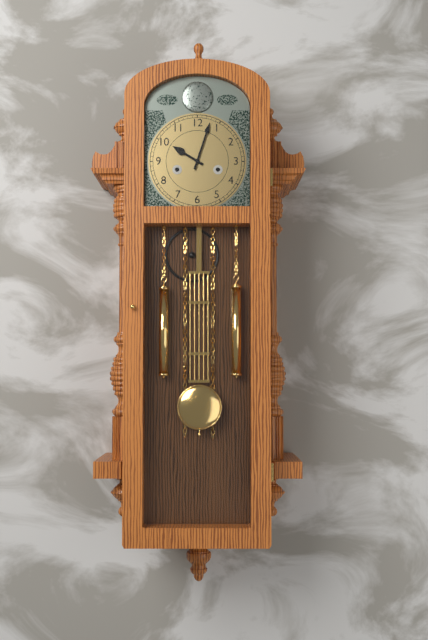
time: 10:03
